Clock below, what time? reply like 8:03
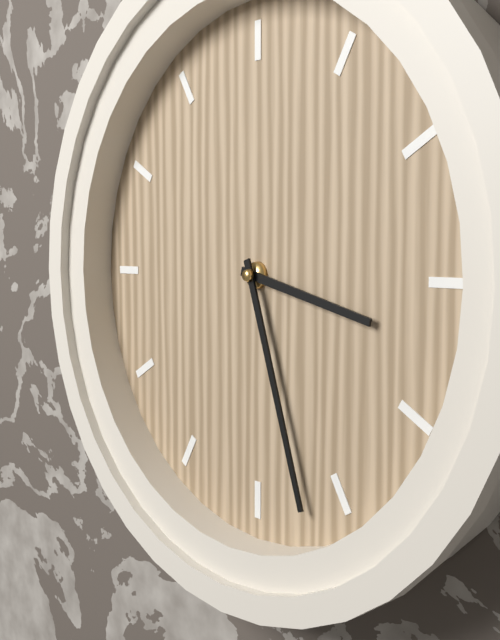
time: 3:27
